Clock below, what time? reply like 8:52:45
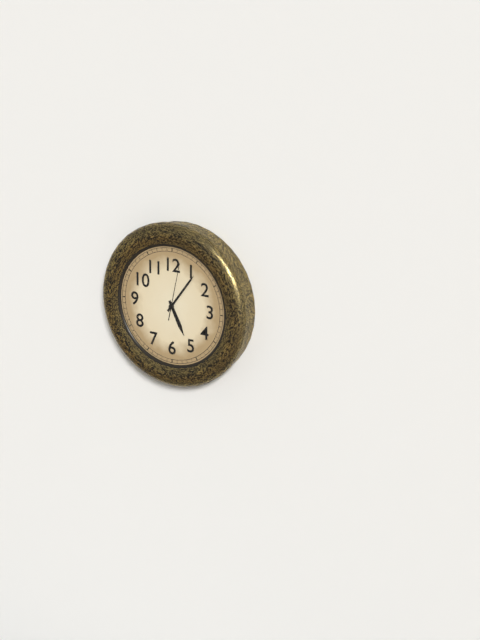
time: 5:06:02
